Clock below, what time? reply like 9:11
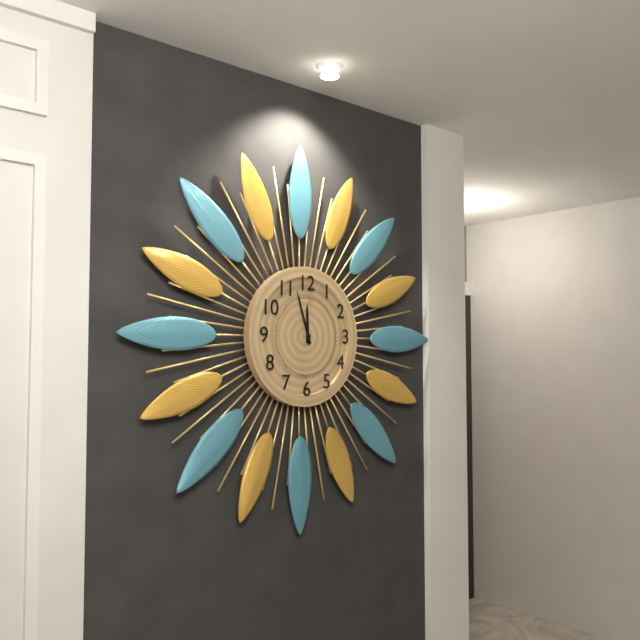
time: 11:57
